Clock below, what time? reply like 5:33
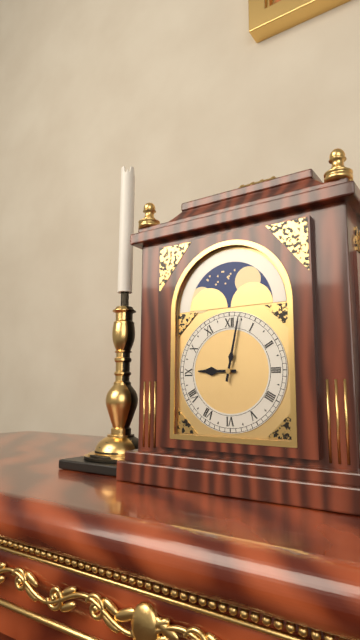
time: 9:02
